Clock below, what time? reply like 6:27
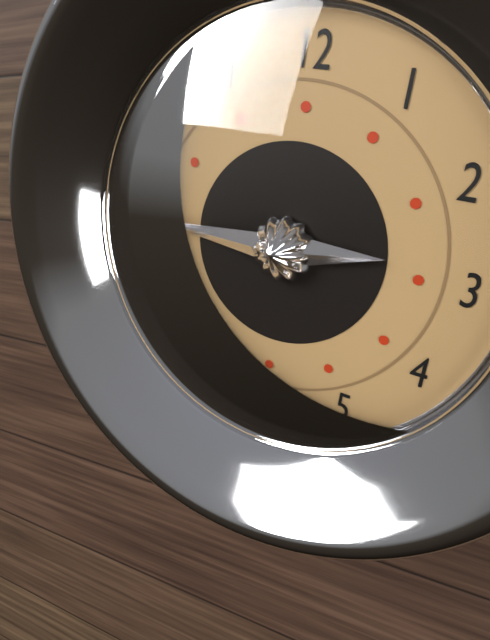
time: 2:45
